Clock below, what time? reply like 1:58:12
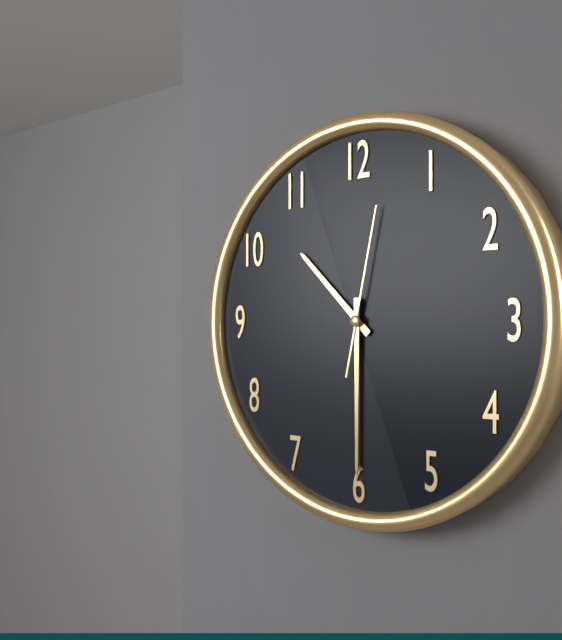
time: 10:30:02
